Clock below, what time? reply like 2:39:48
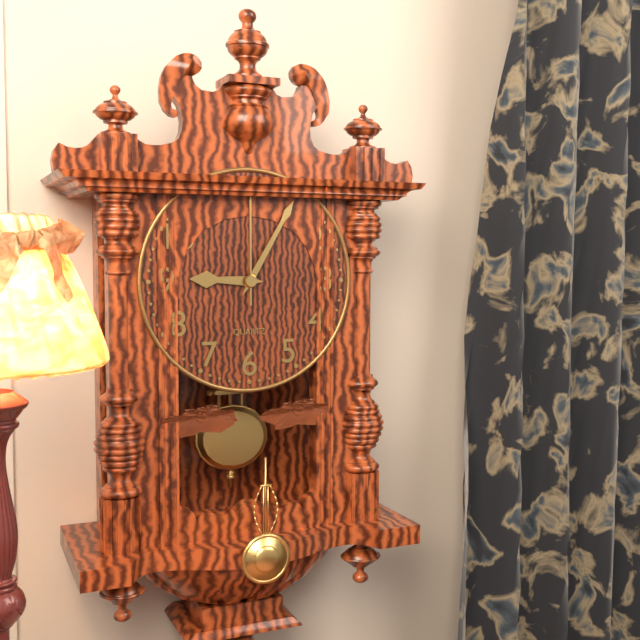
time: 9:05:00
